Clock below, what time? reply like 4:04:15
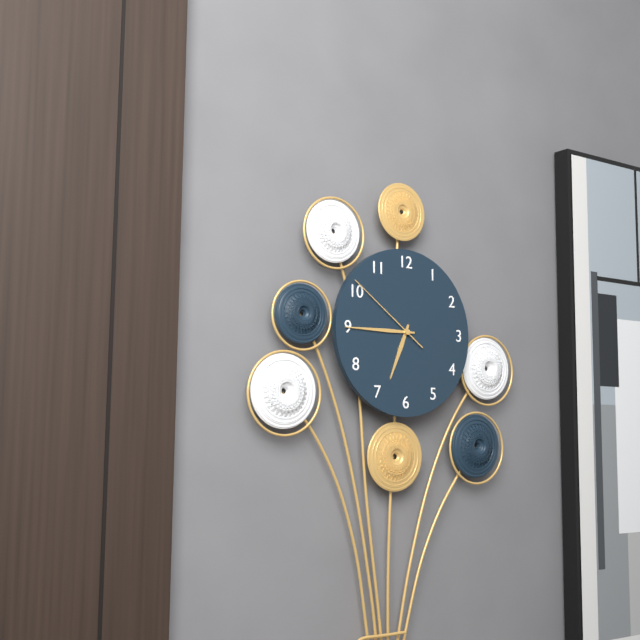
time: 6:45:51
